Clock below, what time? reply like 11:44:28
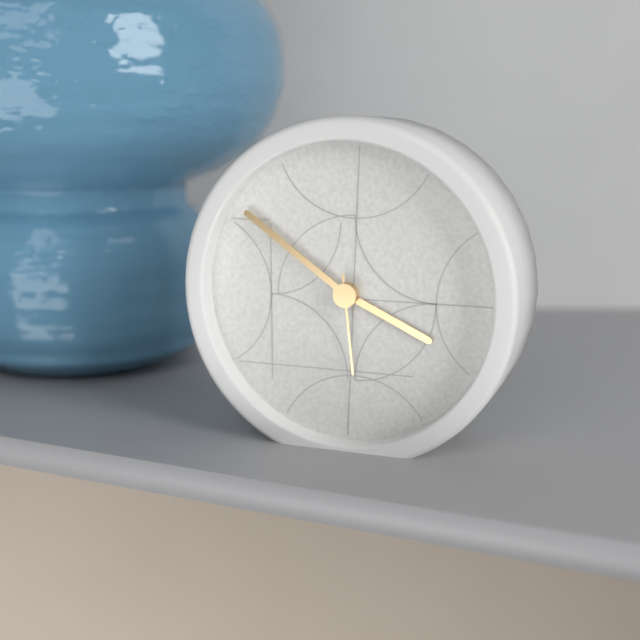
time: 3:51:29
